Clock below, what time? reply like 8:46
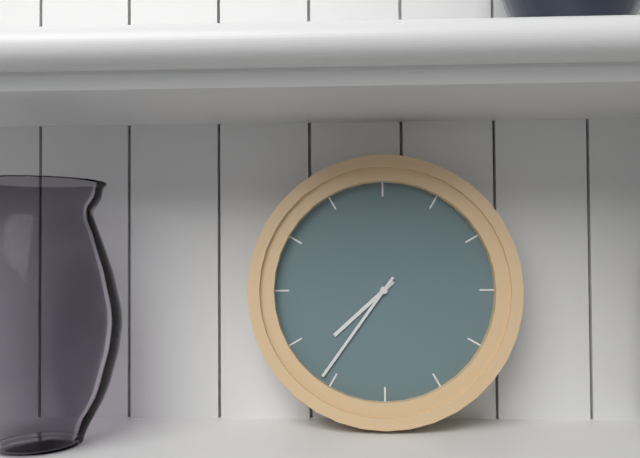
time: 7:36
